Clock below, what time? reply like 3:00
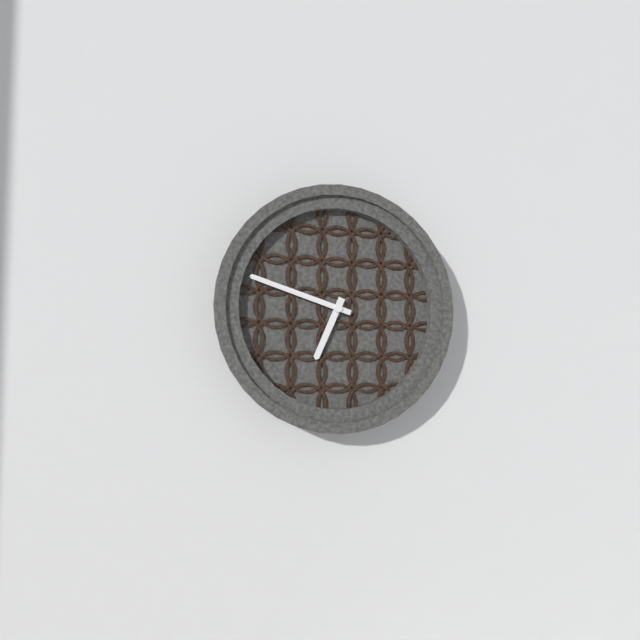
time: 6:48
